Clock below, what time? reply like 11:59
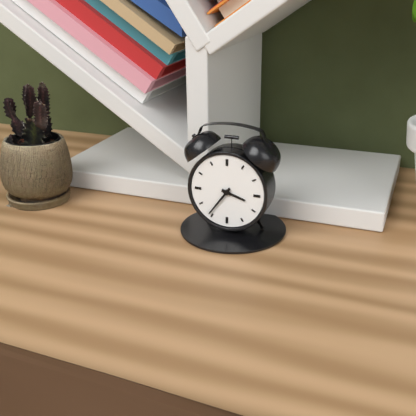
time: 3:36
